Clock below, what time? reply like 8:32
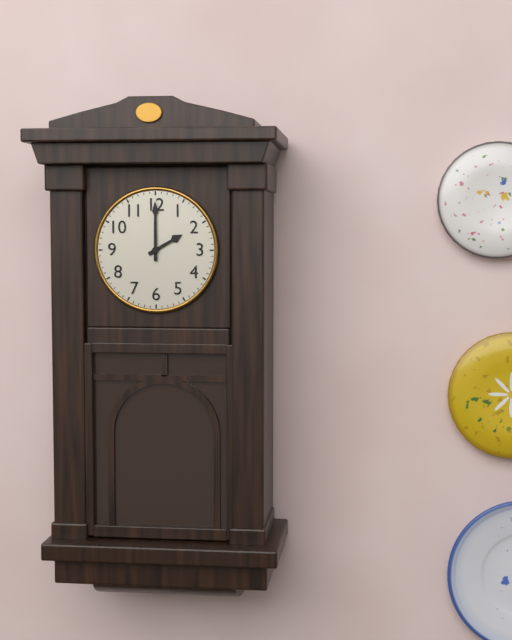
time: 2:00
